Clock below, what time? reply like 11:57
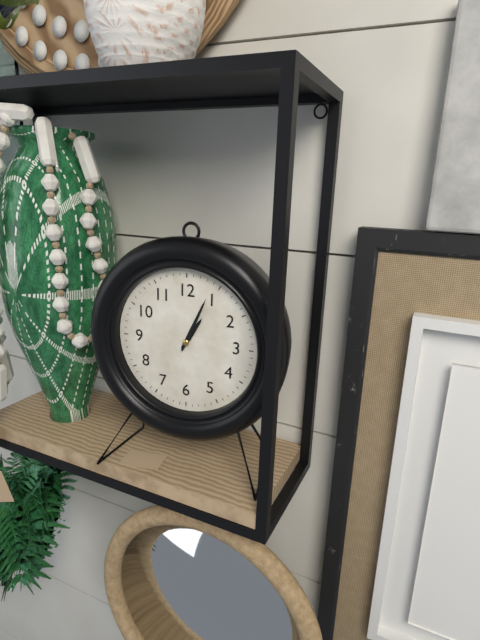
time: 1:04
